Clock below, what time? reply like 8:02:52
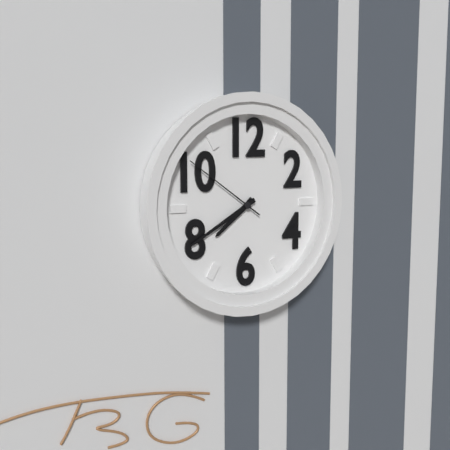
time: 7:40:51
